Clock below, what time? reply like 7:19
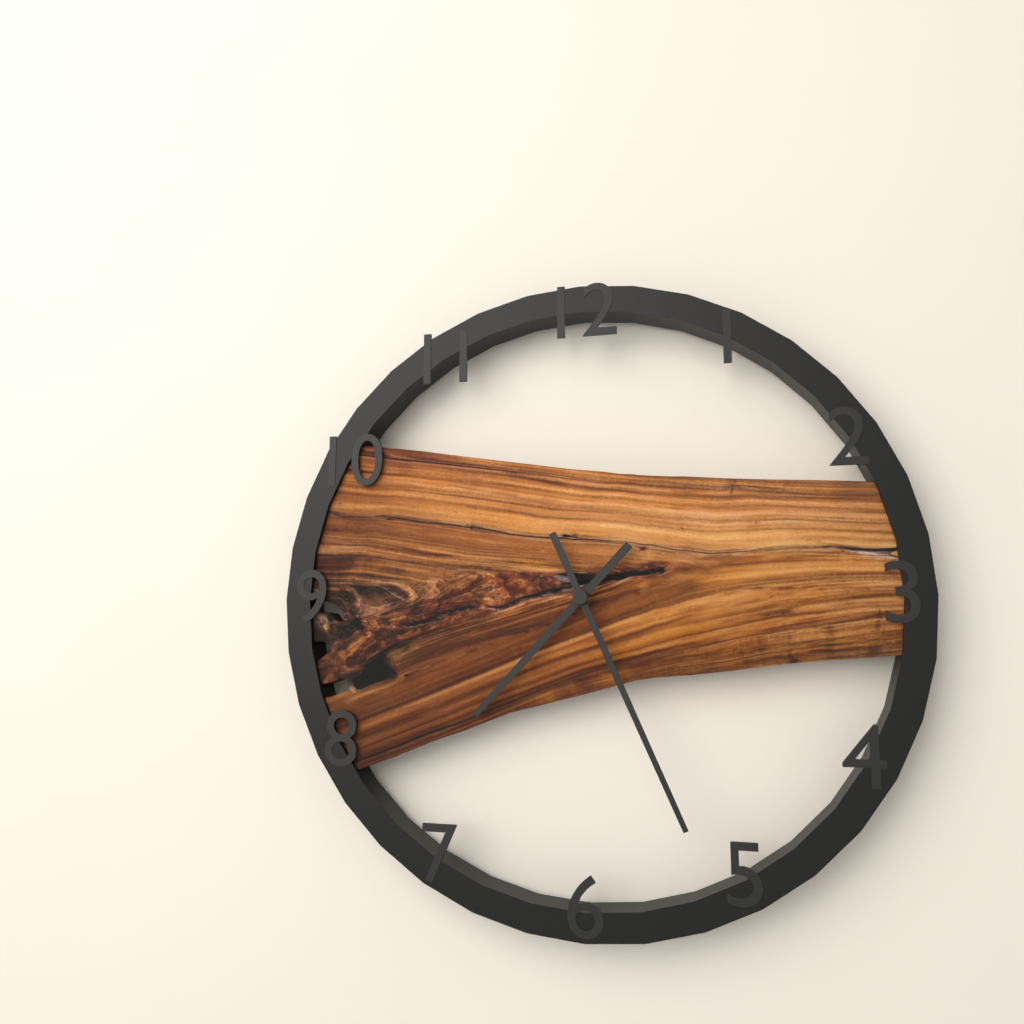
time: 7:26
